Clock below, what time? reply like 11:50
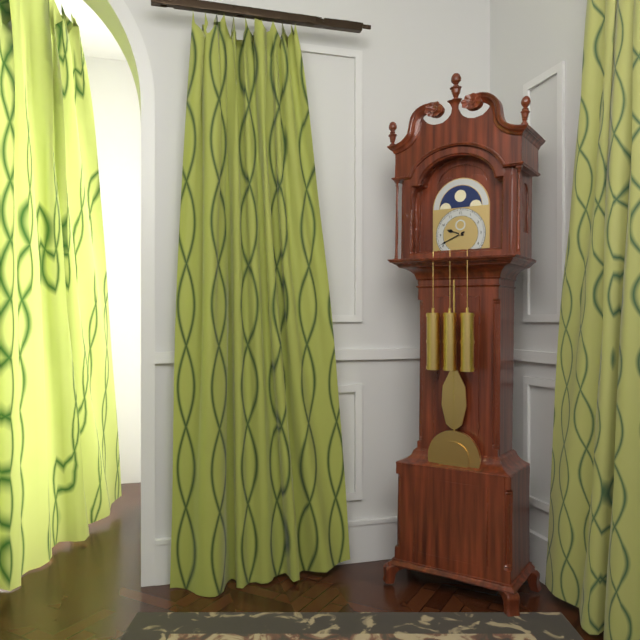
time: 9:41
